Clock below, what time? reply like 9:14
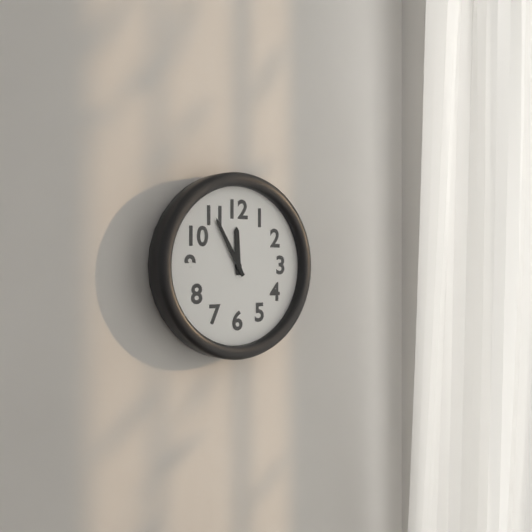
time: 11:55
